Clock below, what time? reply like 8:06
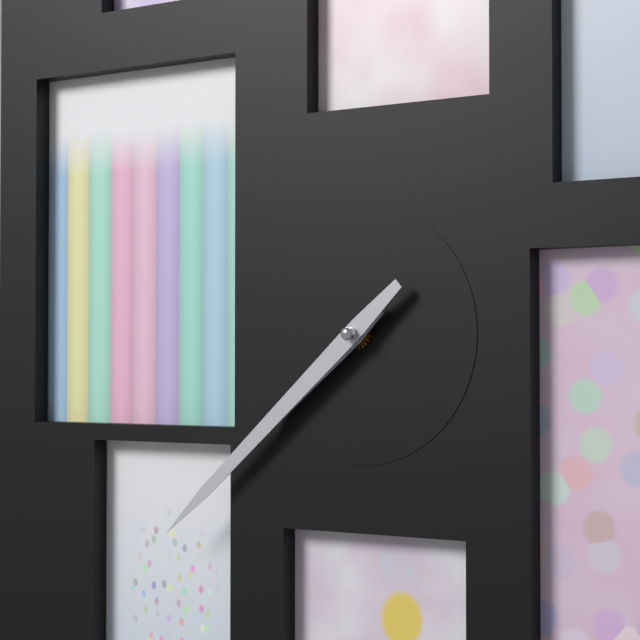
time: 7:38
